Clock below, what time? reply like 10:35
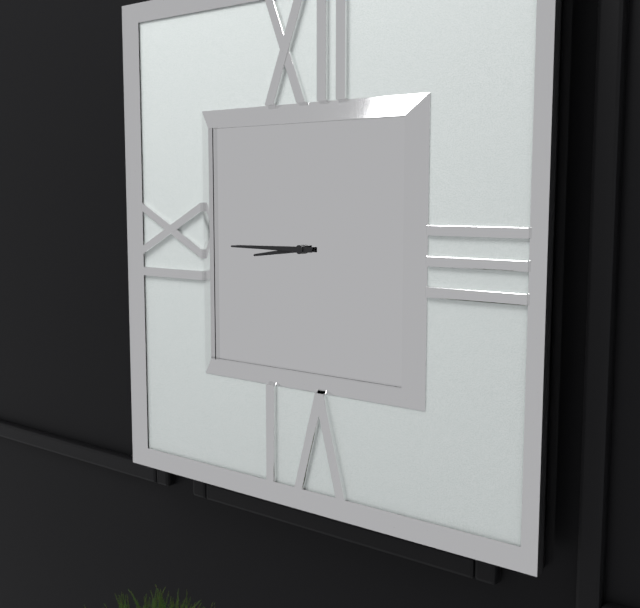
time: 8:45
